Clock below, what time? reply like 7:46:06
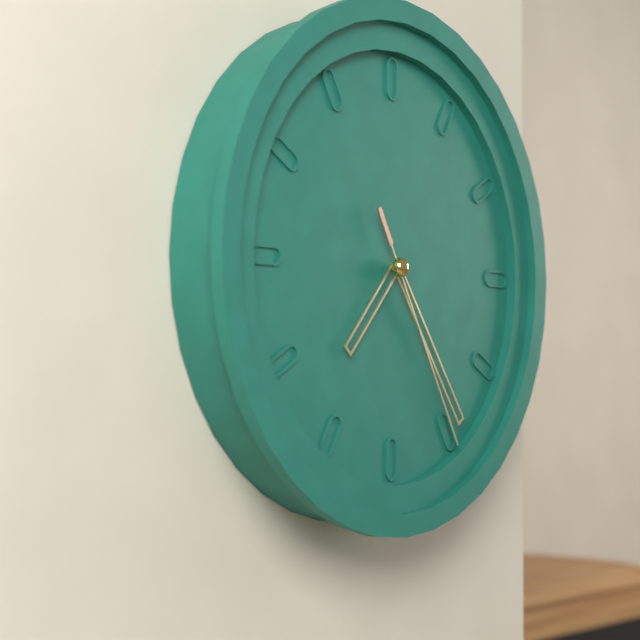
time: 7:24:25
